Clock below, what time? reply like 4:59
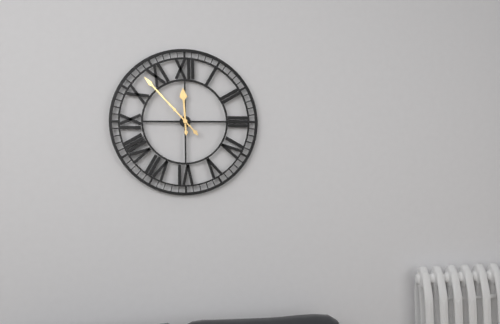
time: 11:53
